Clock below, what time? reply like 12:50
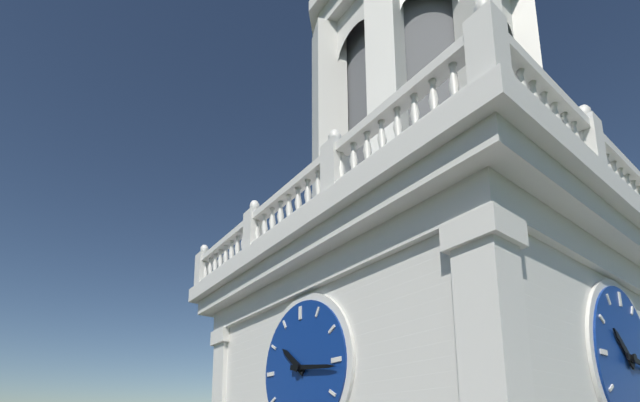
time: 10:16
